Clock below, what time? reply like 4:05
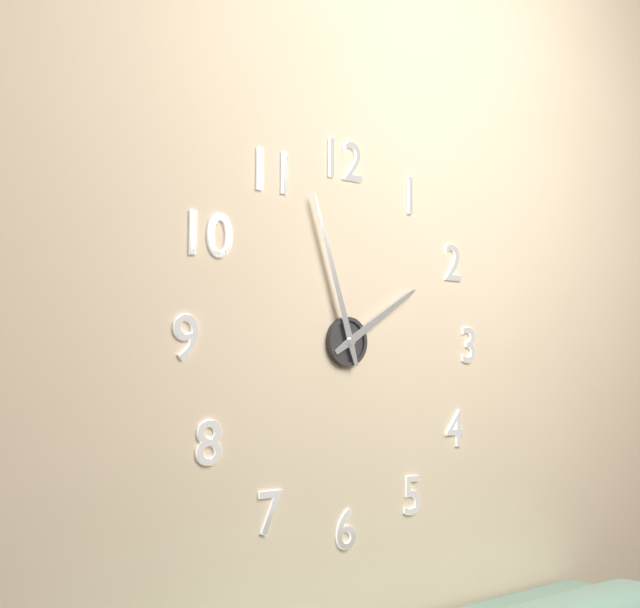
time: 1:57
